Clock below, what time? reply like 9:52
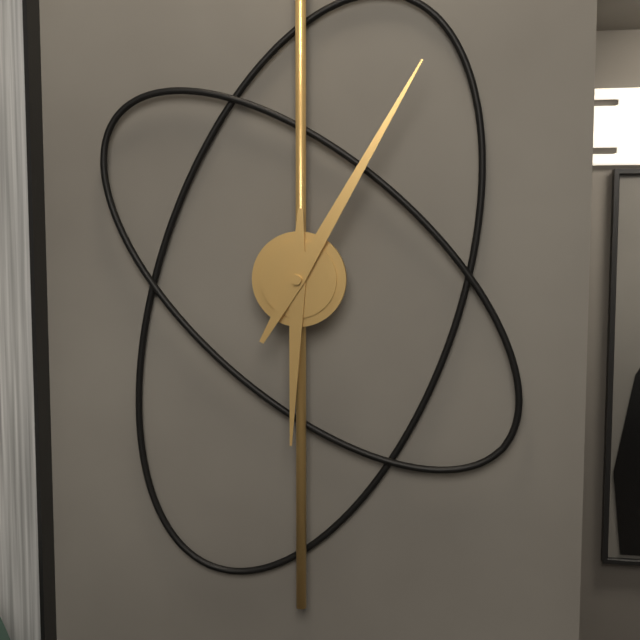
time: 6:05
